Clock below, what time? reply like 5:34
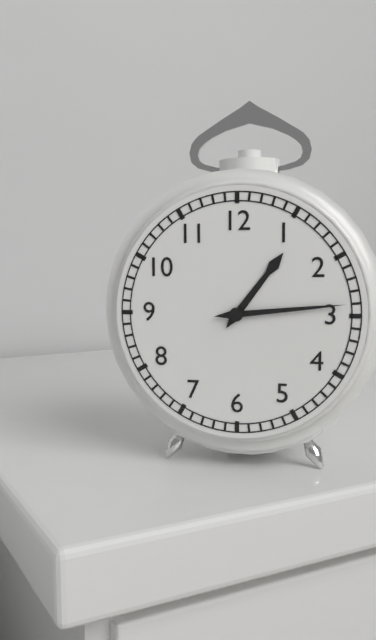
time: 1:14
